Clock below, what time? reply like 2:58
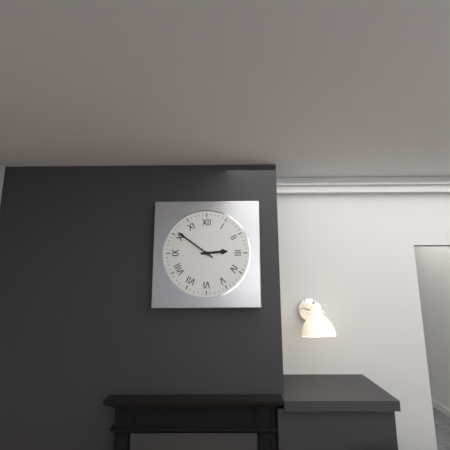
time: 2:51
